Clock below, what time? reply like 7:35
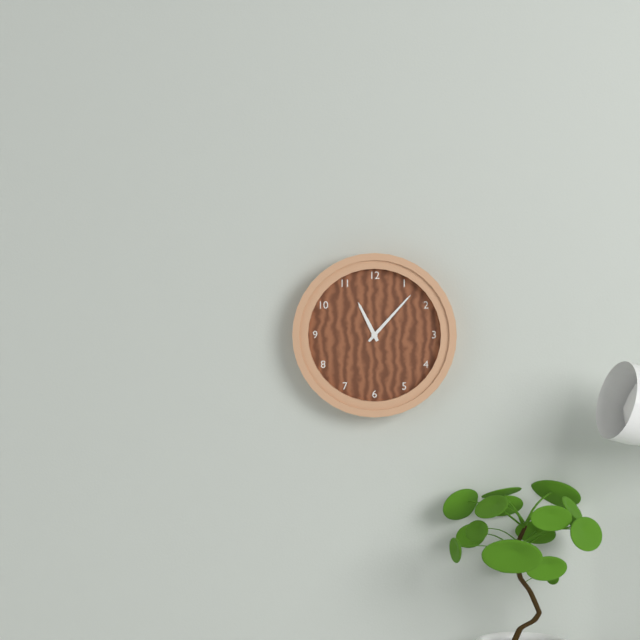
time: 11:07
